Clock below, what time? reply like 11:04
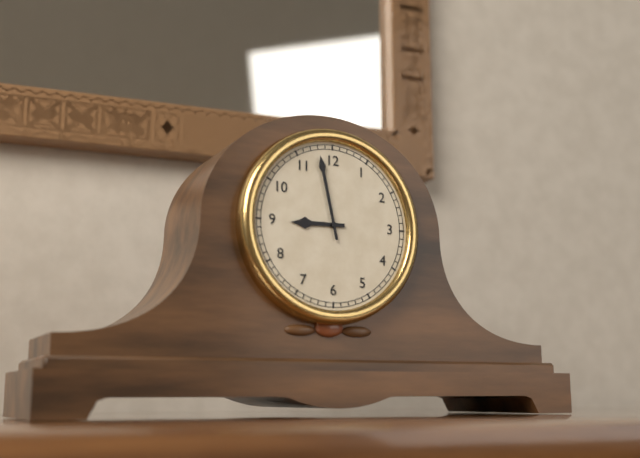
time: 8:58
